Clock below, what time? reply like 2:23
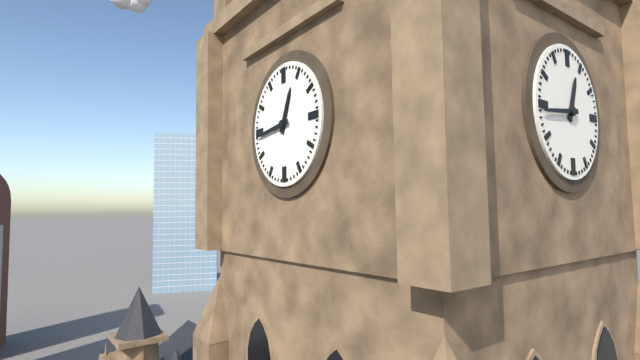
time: 12:44
